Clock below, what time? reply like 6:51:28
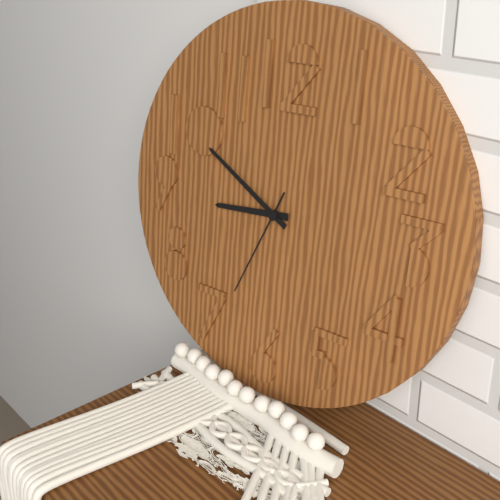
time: 8:50:34
